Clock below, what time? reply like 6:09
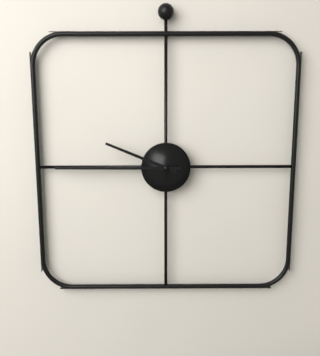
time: 9:45
